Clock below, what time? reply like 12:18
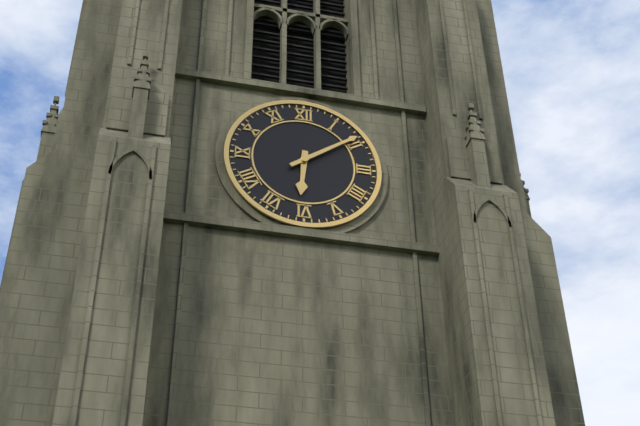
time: 6:09
